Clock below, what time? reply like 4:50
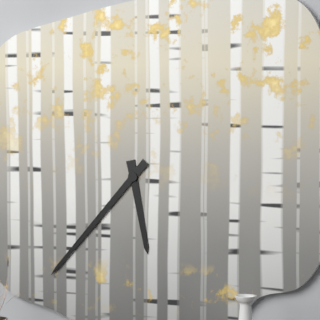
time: 5:37
